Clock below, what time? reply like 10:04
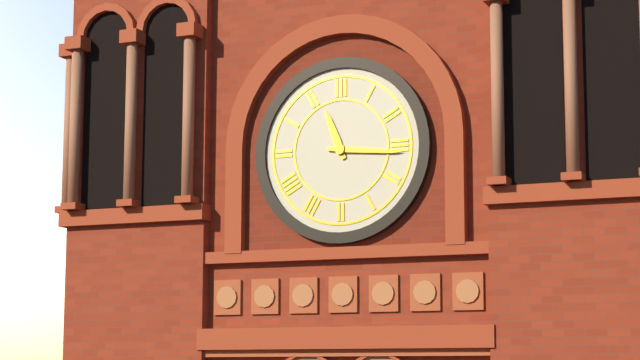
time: 11:16
